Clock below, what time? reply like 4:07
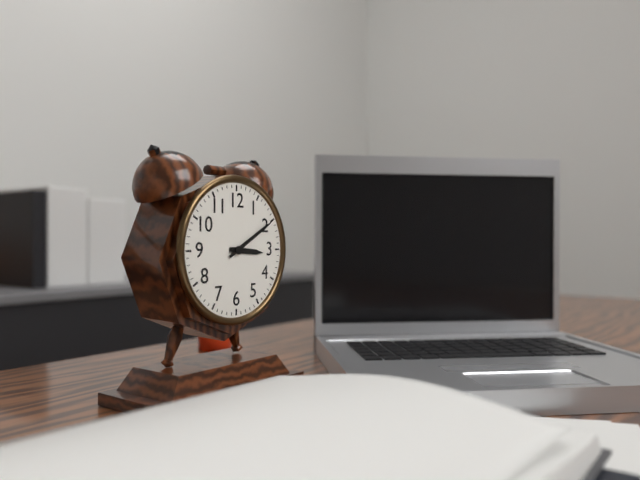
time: 3:10
